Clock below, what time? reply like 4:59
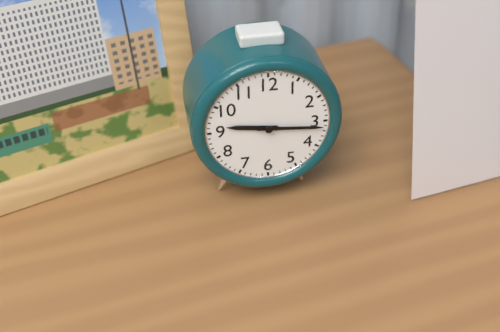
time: 9:16
